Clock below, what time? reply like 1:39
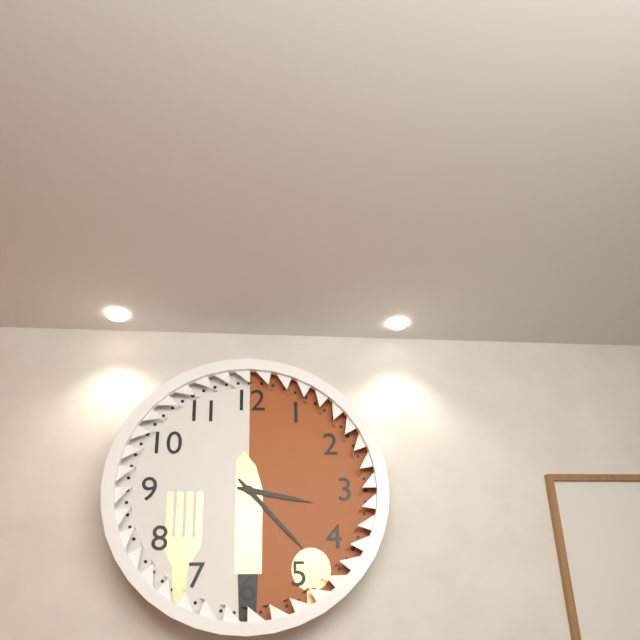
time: 3:23
